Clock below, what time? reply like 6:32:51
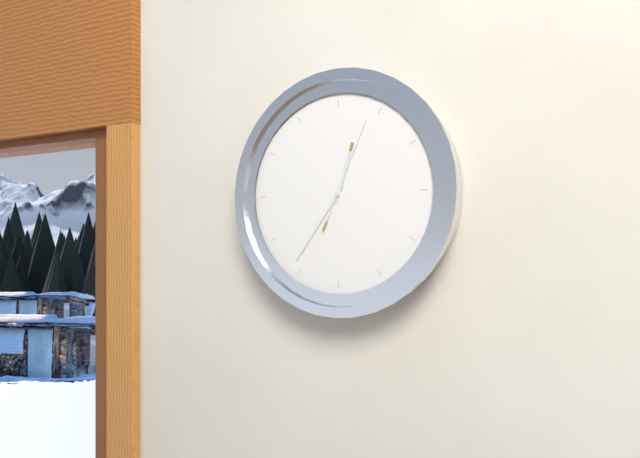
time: 12:36:04
